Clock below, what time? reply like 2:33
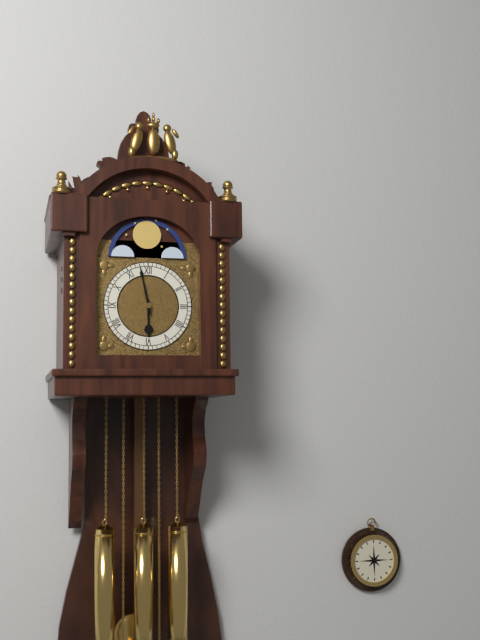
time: 5:58
